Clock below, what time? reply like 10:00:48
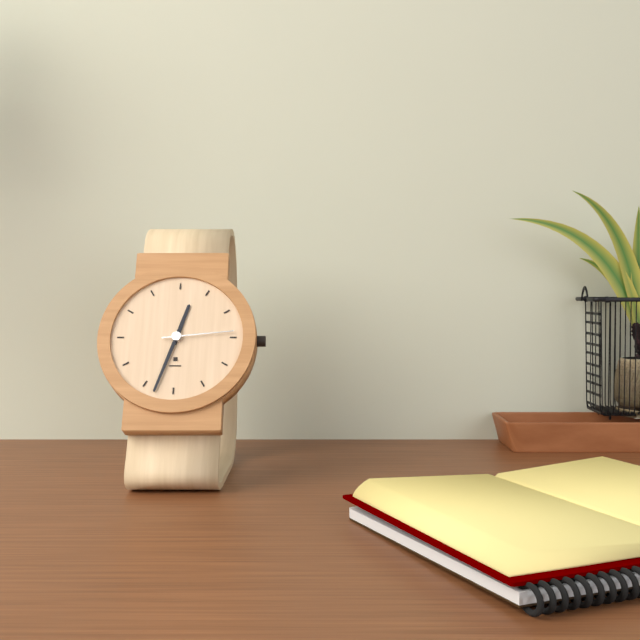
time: 12:33:14
